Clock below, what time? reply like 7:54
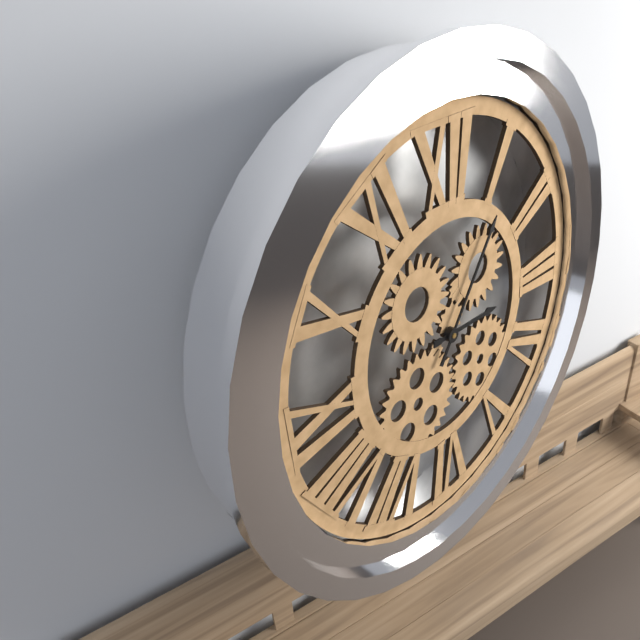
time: 3:06
